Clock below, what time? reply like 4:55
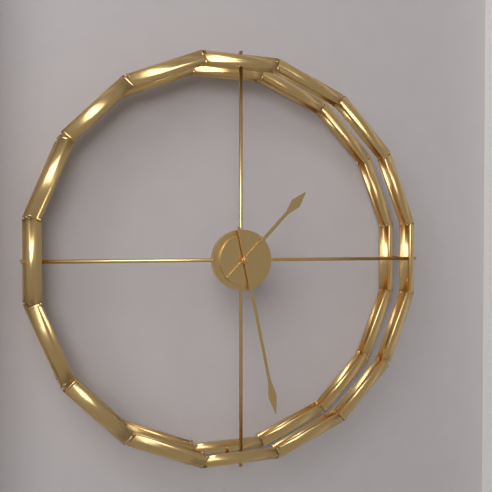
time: 1:28
